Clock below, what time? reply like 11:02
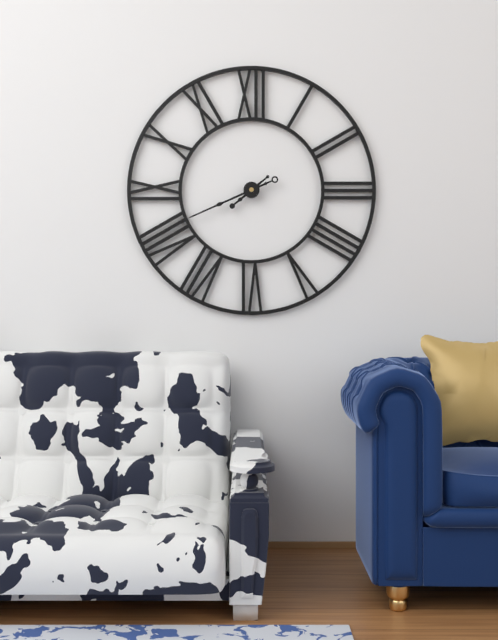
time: 7:41
